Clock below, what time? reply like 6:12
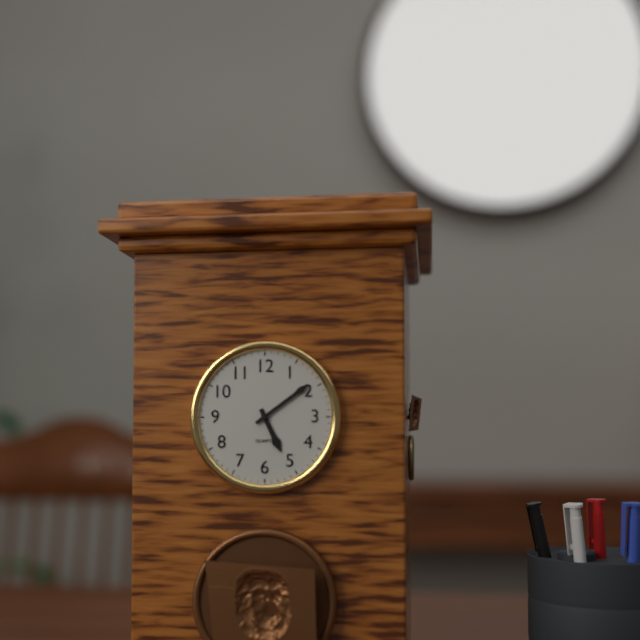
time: 5:09
